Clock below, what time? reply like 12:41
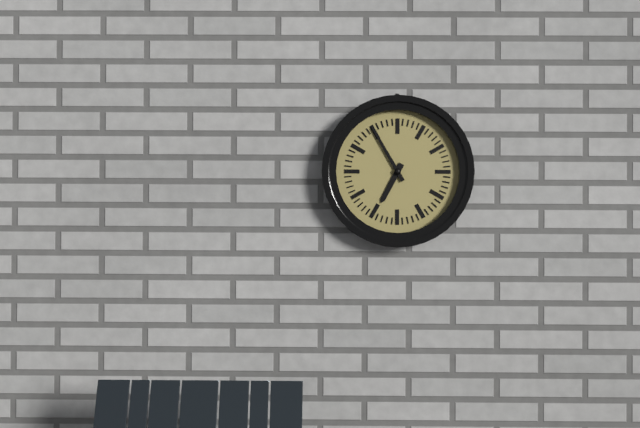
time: 6:55
